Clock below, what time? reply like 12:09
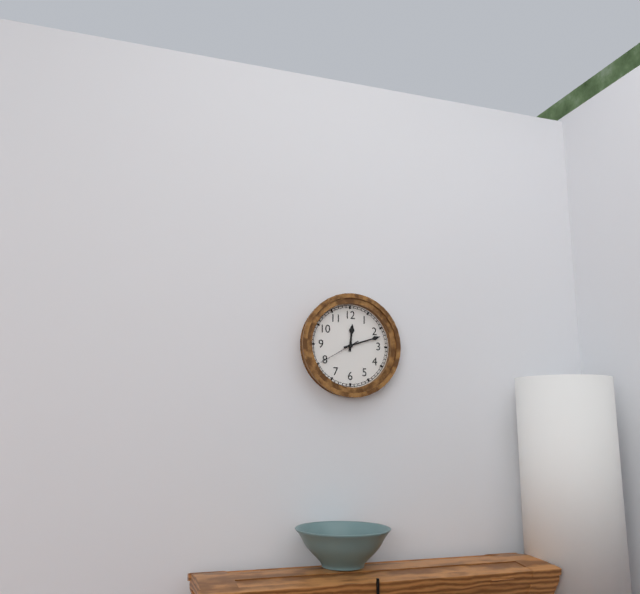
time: 12:12
